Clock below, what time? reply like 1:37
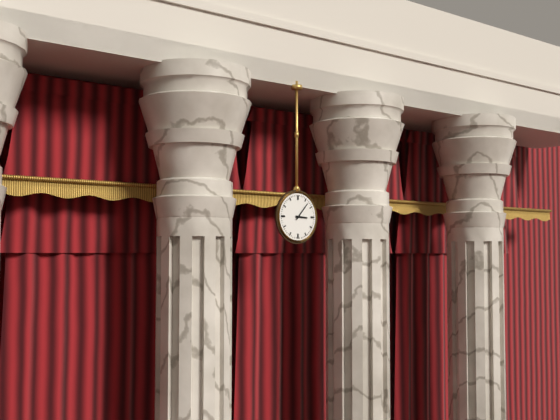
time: 3:07
